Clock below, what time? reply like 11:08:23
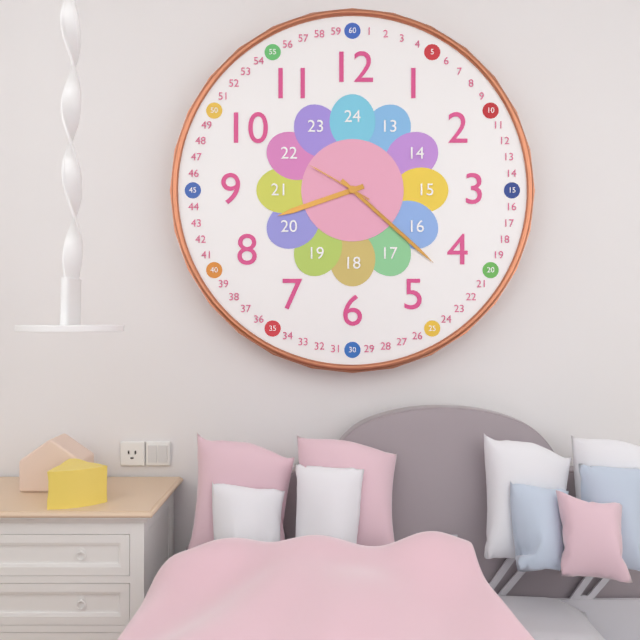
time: 8:22:50
